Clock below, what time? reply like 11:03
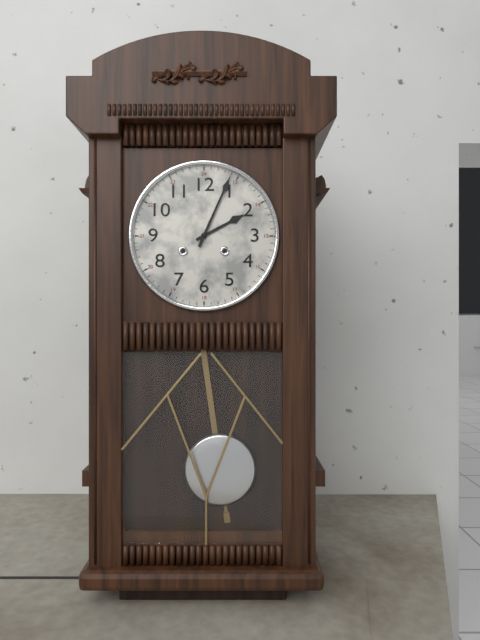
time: 2:04
